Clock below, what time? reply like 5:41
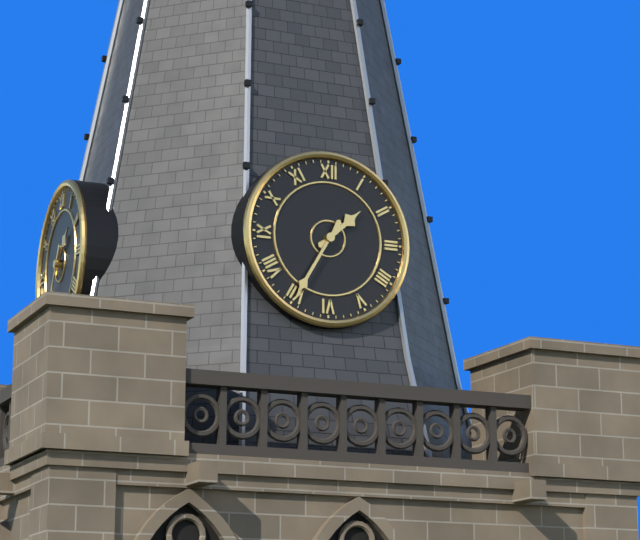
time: 1:35
